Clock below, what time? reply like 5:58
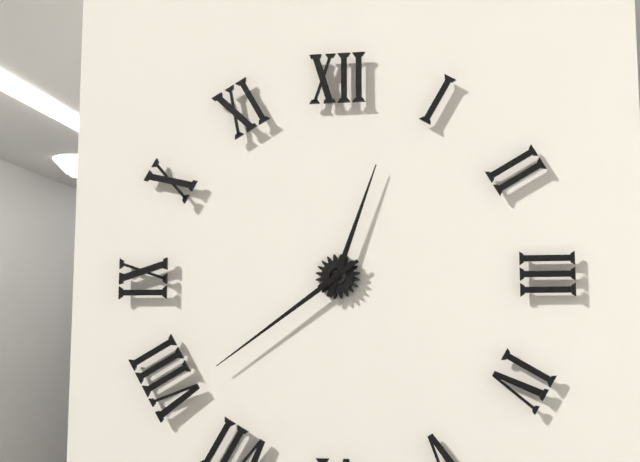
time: 12:39
